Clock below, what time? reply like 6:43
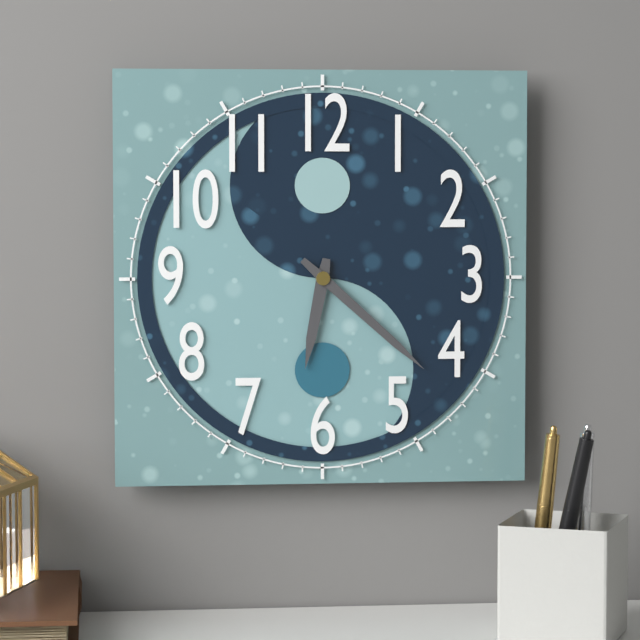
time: 6:22
